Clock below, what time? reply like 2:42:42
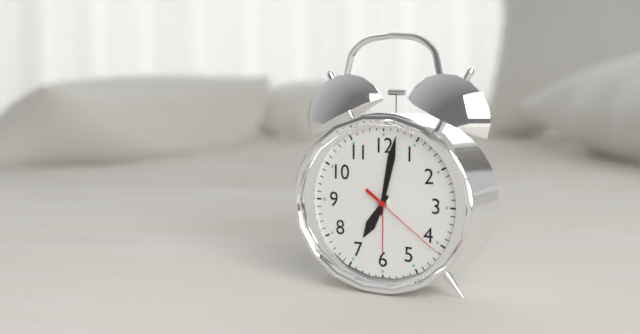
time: 7:02:21
